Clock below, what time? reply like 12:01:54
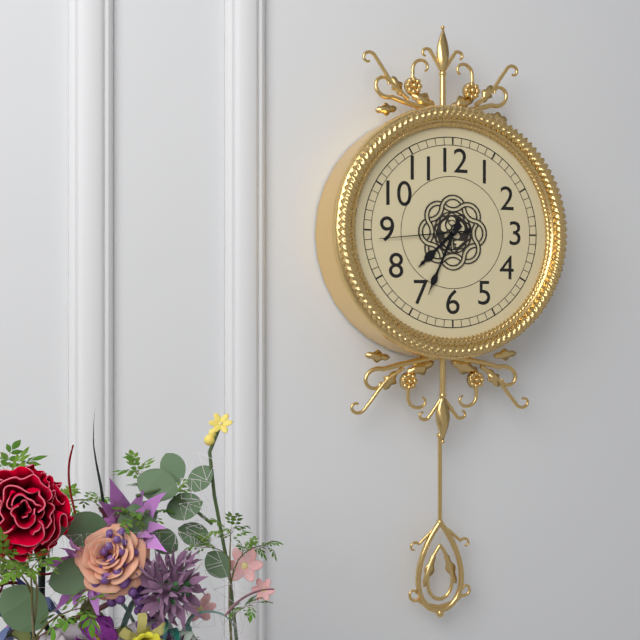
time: 7:34:44
